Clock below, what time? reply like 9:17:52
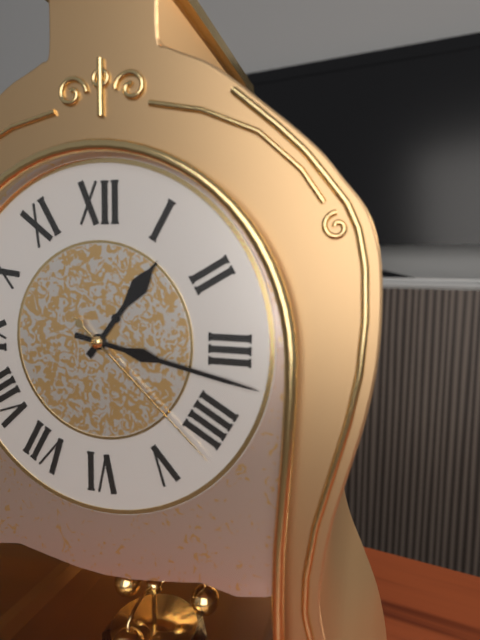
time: 1:17:22
